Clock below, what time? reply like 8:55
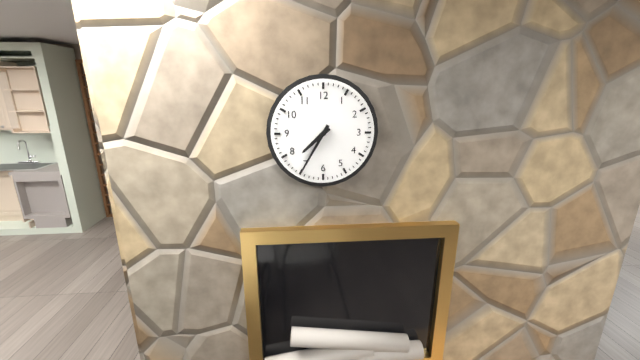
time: 7:35
